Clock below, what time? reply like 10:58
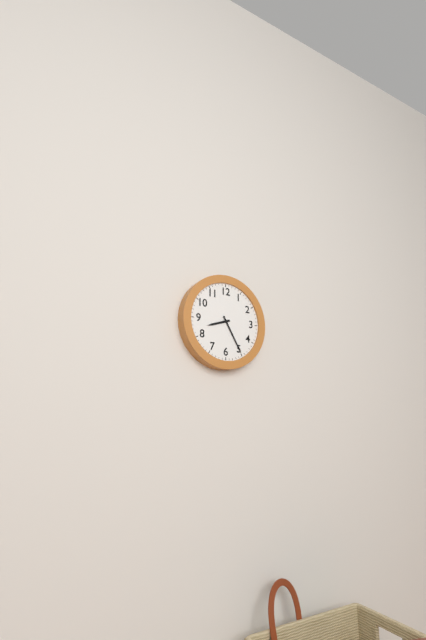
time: 8:25
